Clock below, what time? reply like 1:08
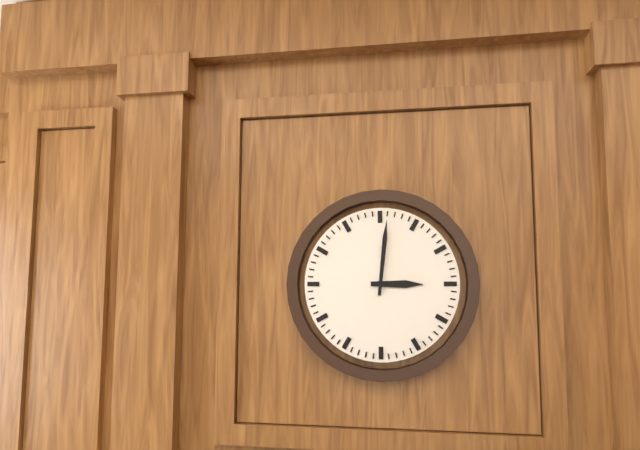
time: 3:01
